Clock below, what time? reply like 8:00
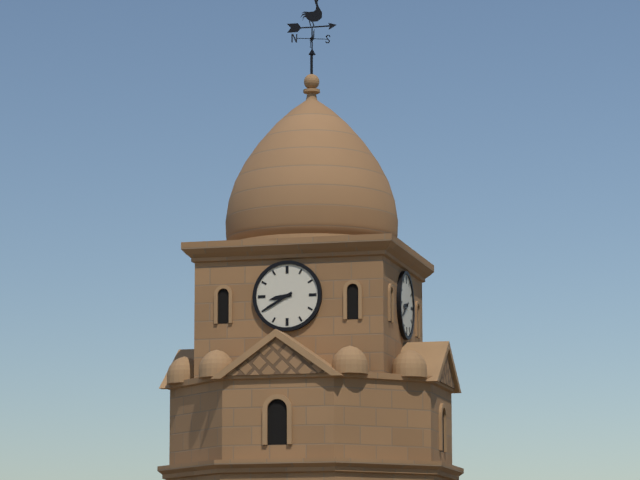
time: 8:40
